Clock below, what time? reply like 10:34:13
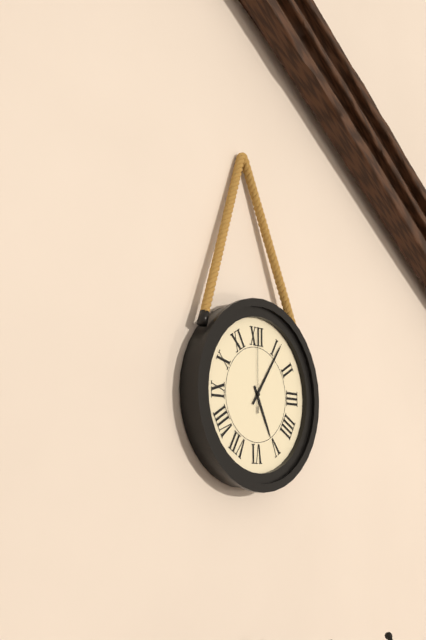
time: 5:06:00
